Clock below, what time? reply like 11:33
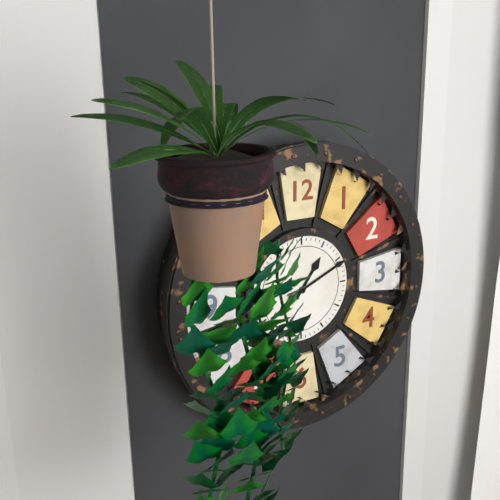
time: 1:11
